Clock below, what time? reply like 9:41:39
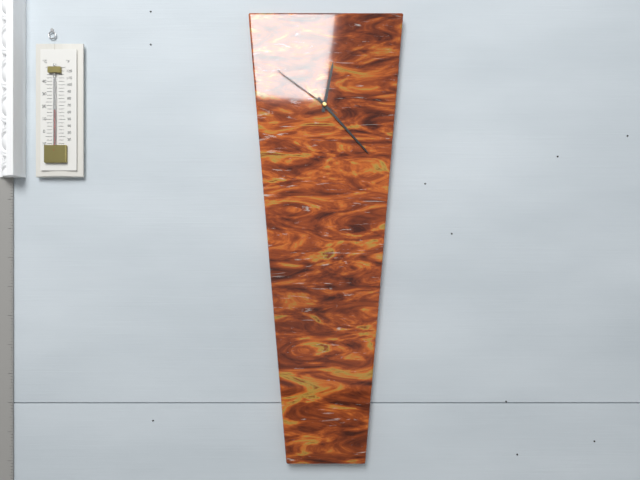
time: 12:23:51
